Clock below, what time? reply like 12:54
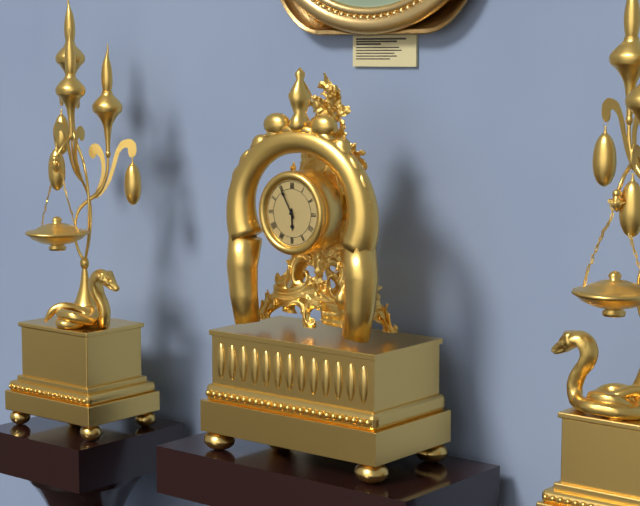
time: 5:55
